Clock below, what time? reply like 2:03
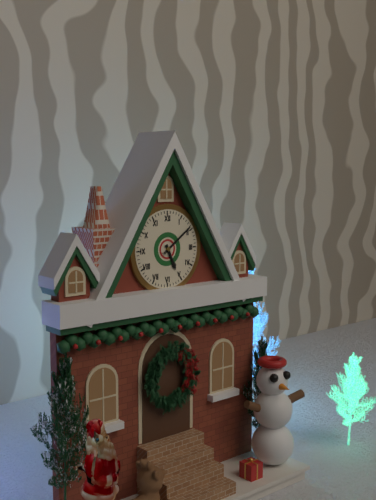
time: 5:09
